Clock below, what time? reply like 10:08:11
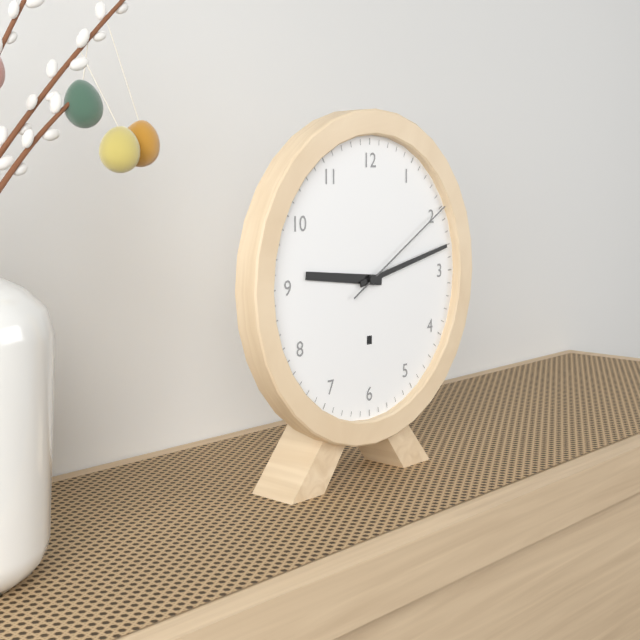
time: 9:13:10
